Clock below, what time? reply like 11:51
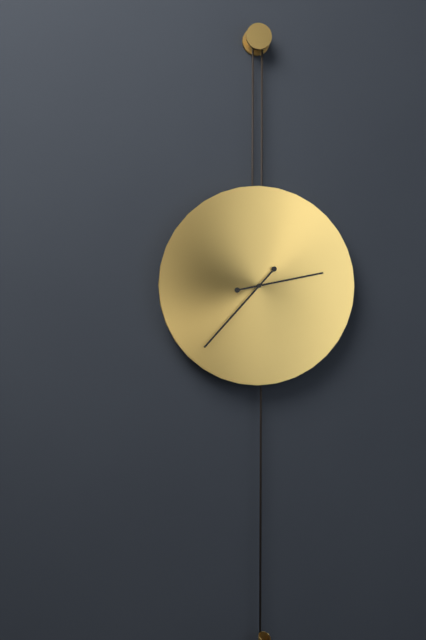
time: 2:37
